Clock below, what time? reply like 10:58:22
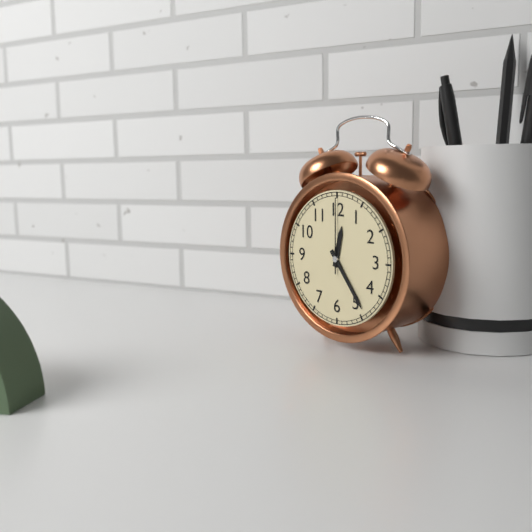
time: 12:24:00
